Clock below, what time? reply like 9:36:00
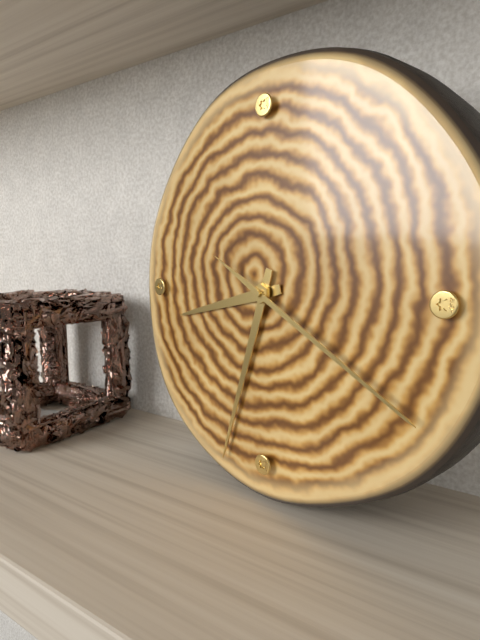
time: 8:33:20
